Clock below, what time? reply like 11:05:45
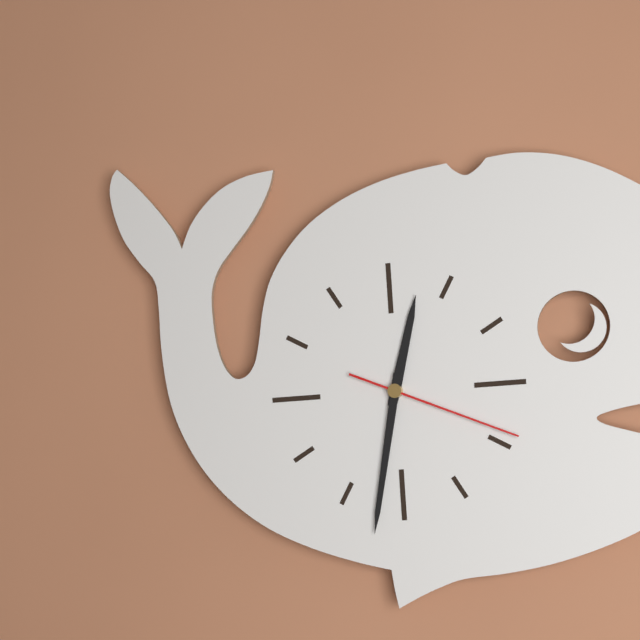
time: 12:32:19
